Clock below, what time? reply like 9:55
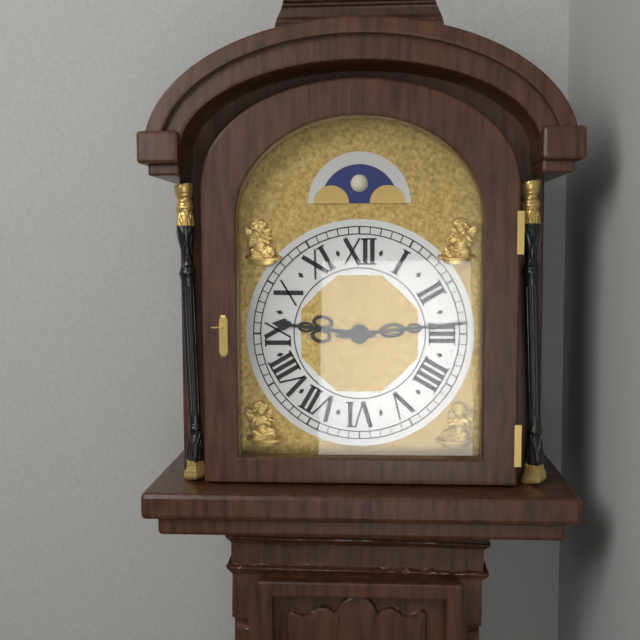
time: 9:14
